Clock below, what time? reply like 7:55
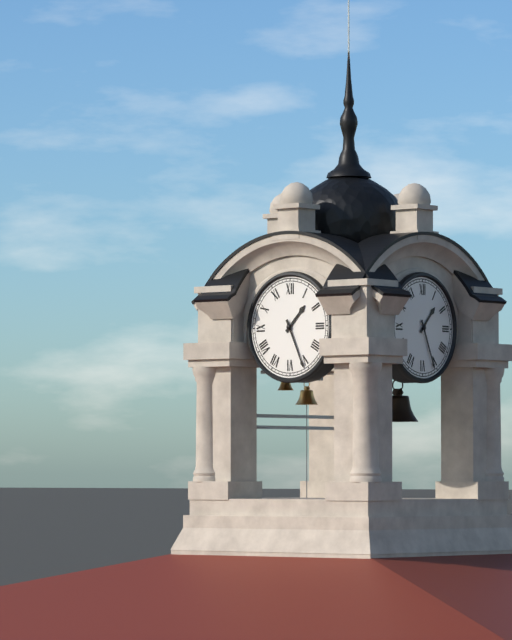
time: 1:26
